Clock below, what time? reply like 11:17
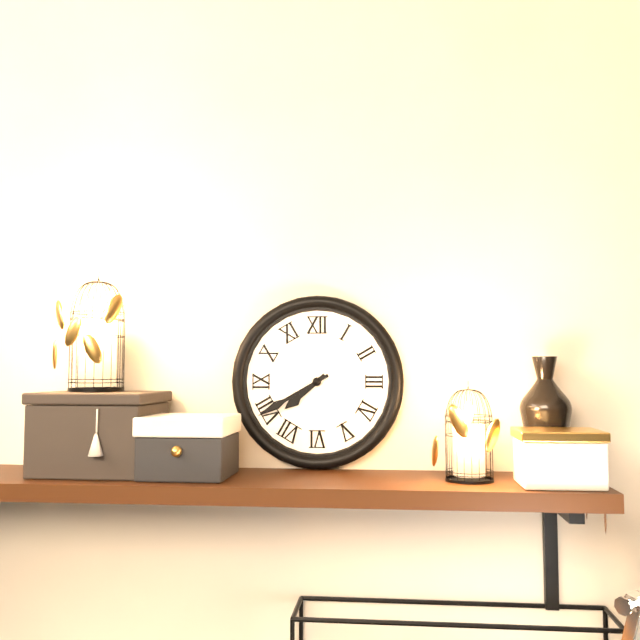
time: 7:40
